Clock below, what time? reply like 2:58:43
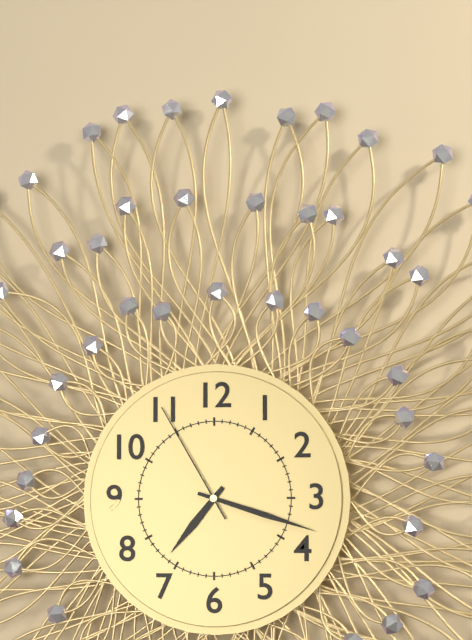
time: 7:18:55
